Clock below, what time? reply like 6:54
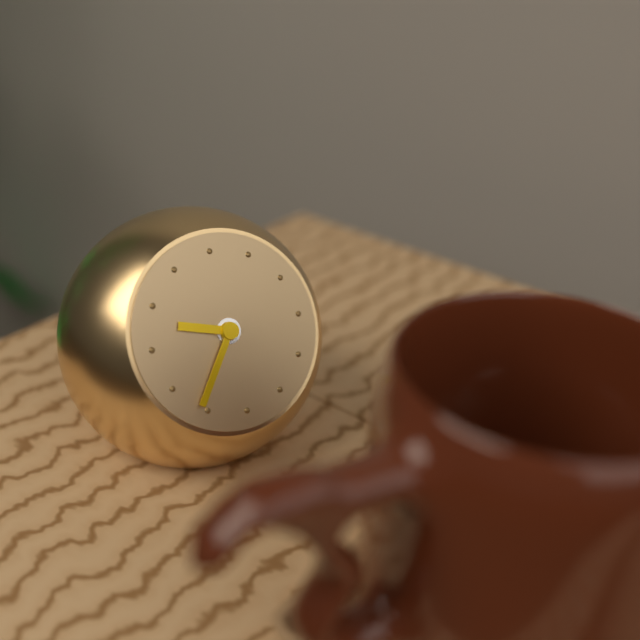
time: 9:36
